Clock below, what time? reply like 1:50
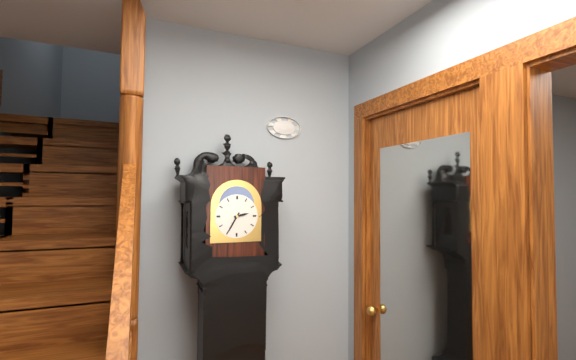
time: 2:35
